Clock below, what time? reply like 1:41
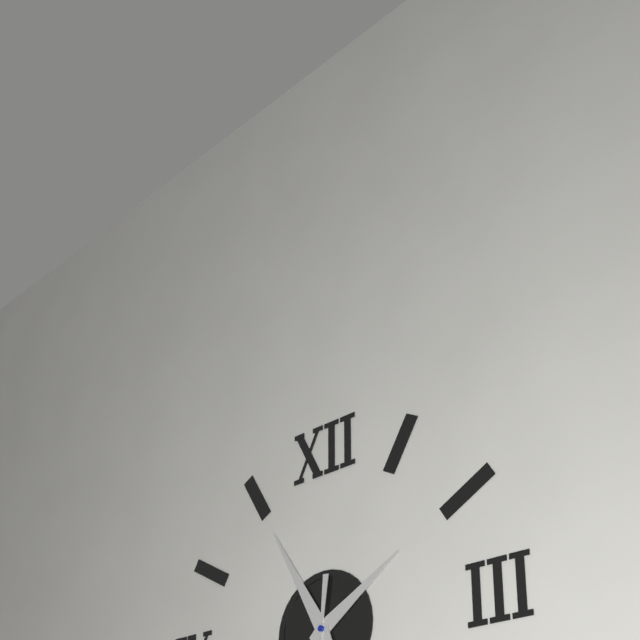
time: 1:55
